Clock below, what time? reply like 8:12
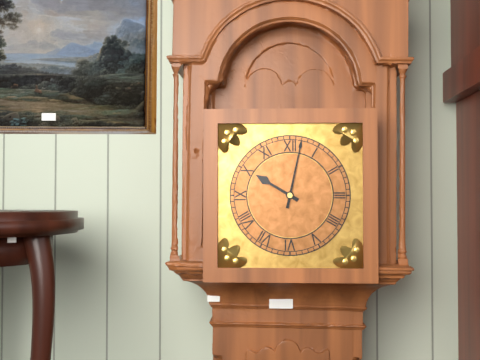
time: 10:02
